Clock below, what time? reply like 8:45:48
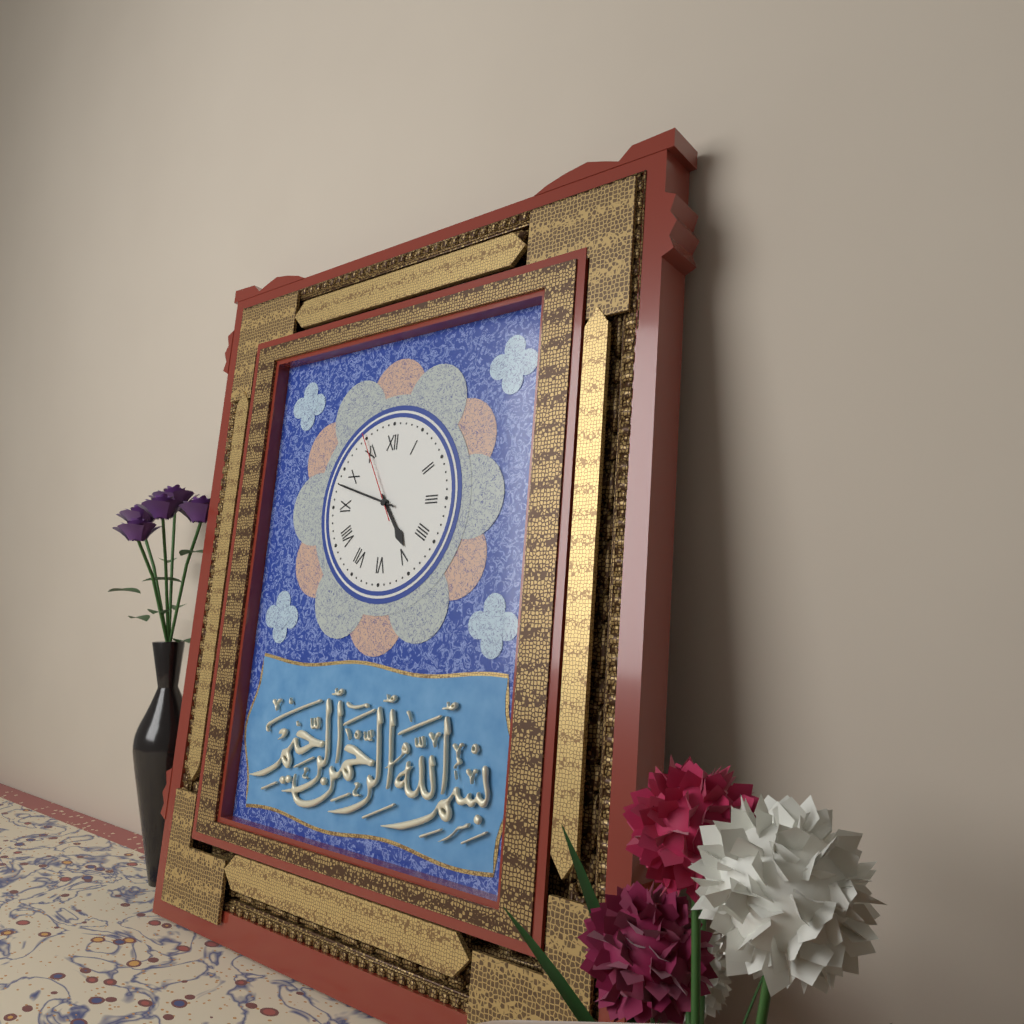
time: 4:48:55
